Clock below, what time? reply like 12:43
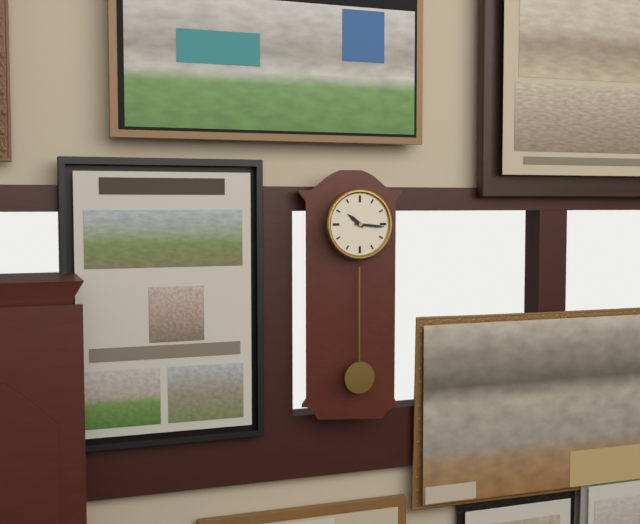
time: 10:16
